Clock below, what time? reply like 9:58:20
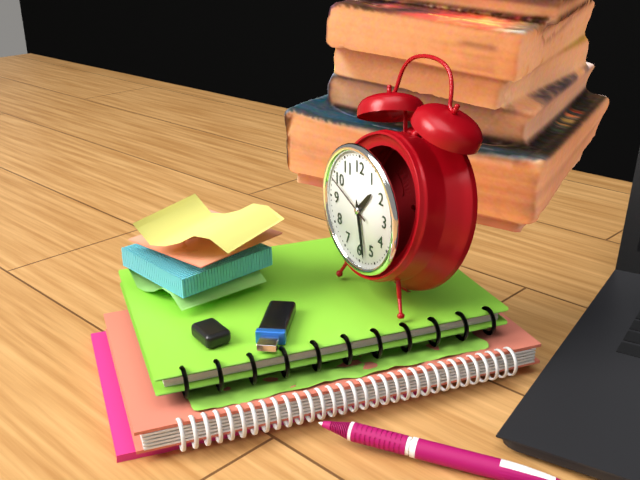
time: 1:28:49
